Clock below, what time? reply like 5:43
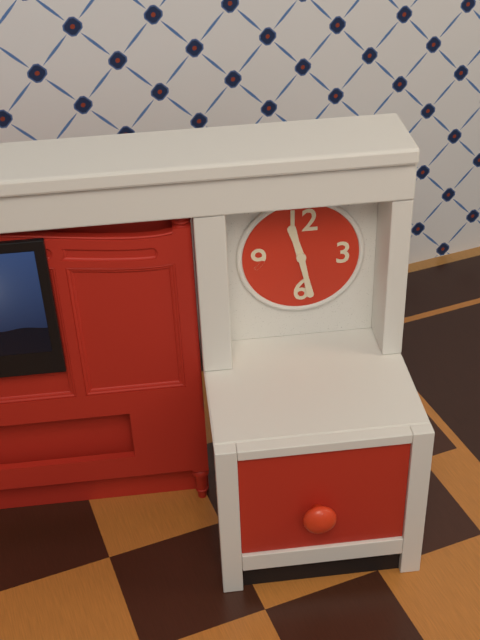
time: 11:28
